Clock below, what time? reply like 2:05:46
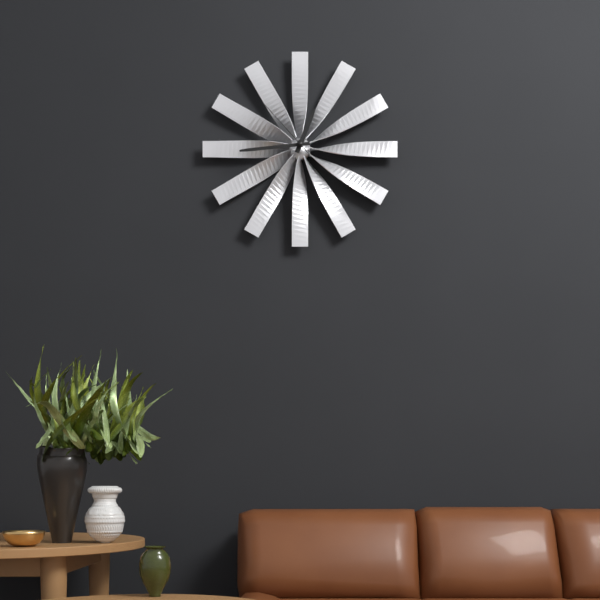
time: 12:44:53
